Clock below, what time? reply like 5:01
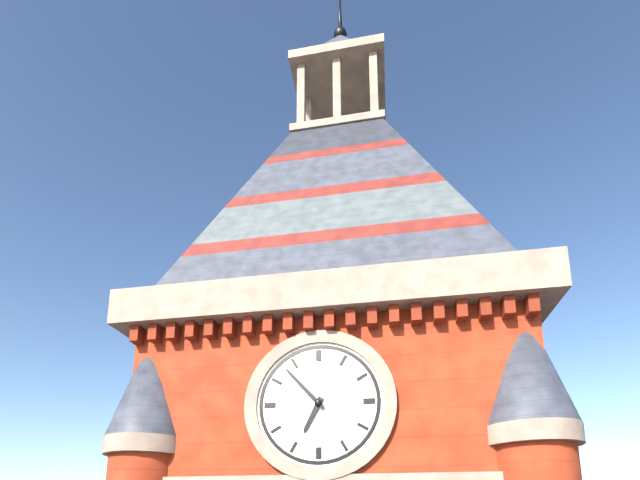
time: 6:53
